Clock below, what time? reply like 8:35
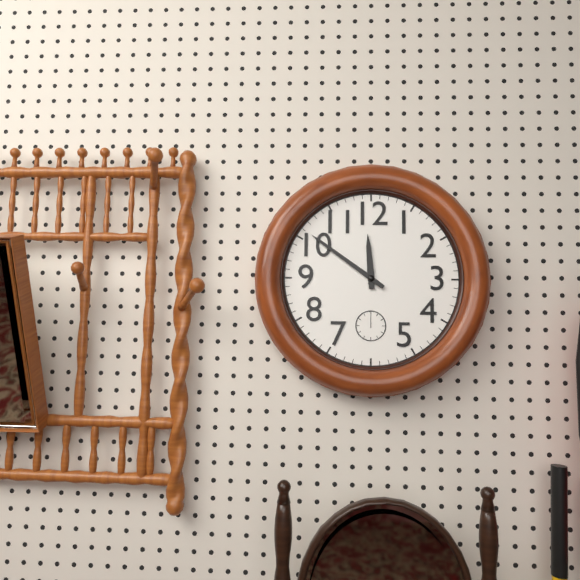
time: 11:51
